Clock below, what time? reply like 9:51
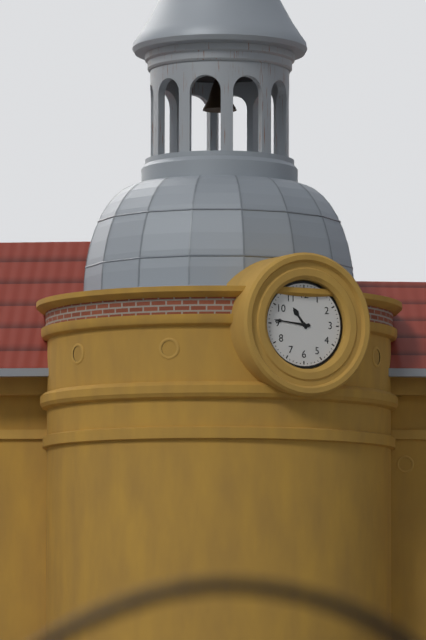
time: 10:46
